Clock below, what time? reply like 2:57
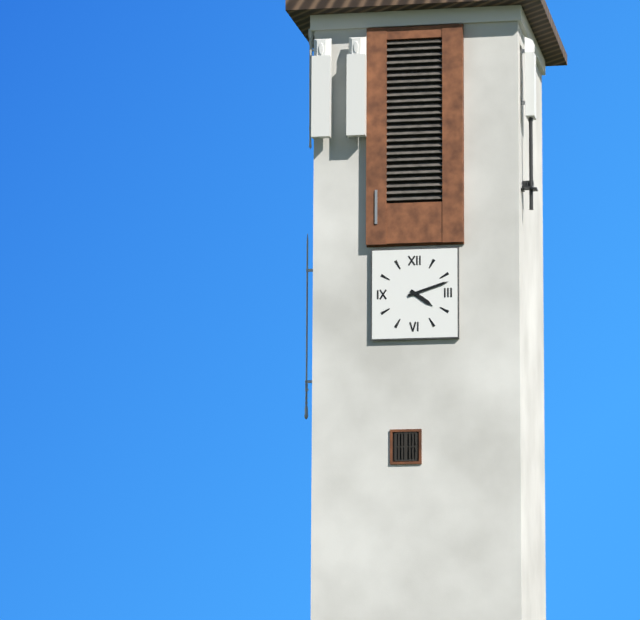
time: 4:12
